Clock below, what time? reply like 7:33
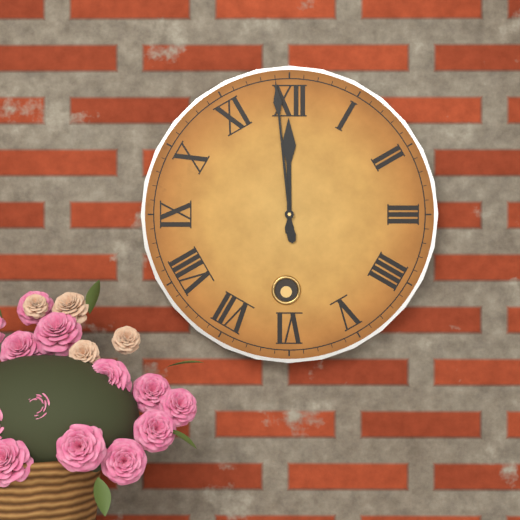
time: 11:59
